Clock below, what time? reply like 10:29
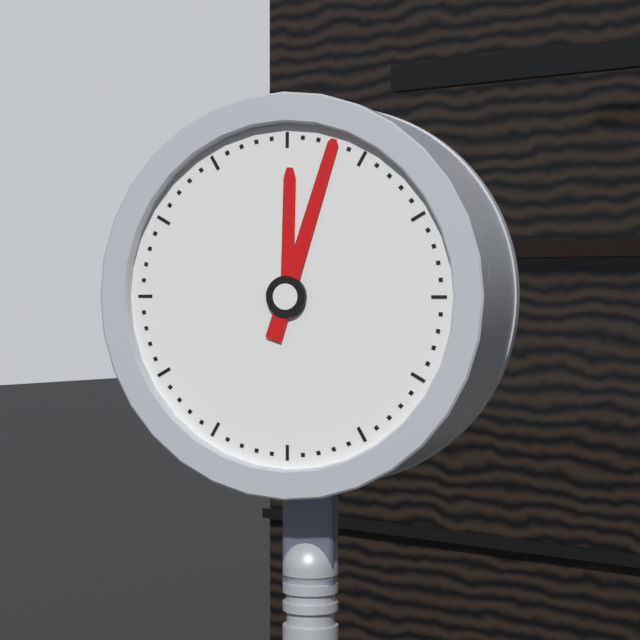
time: 12:03
